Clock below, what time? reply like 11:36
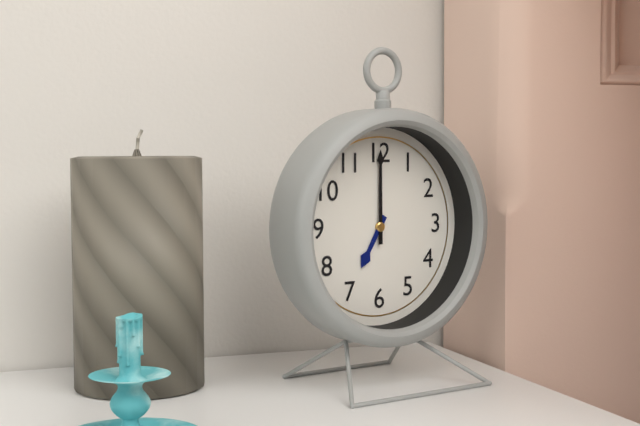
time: 7:00
